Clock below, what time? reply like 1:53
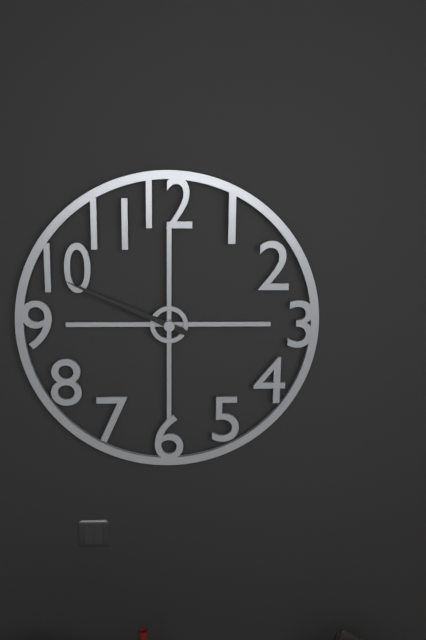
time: 9:49
